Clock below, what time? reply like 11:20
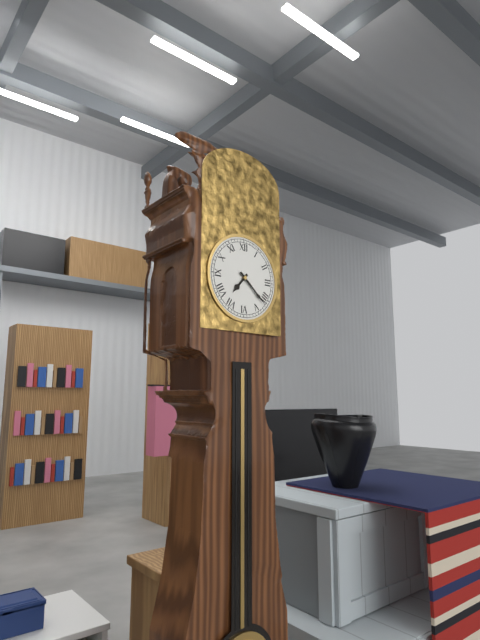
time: 7:22
